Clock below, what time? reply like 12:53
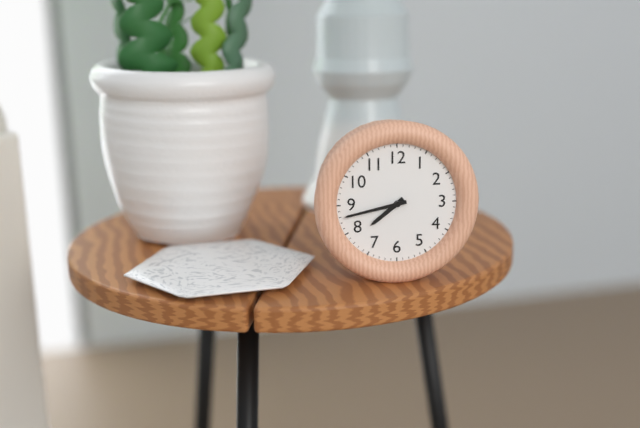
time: 7:43
